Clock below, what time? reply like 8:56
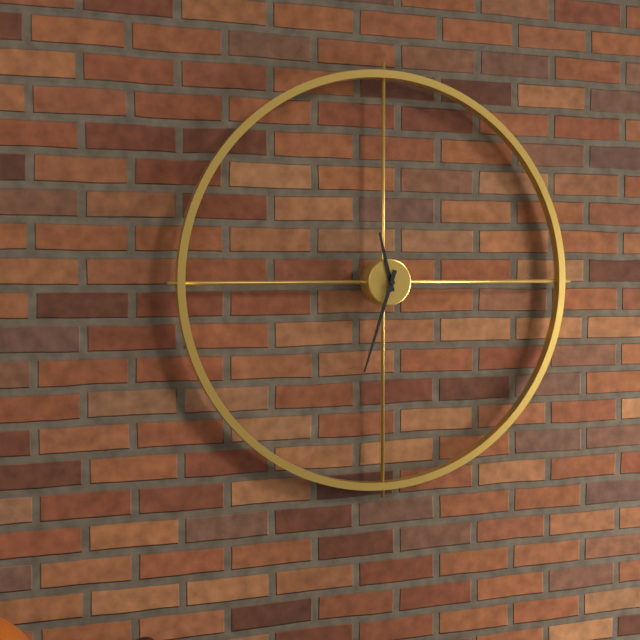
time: 11:33
